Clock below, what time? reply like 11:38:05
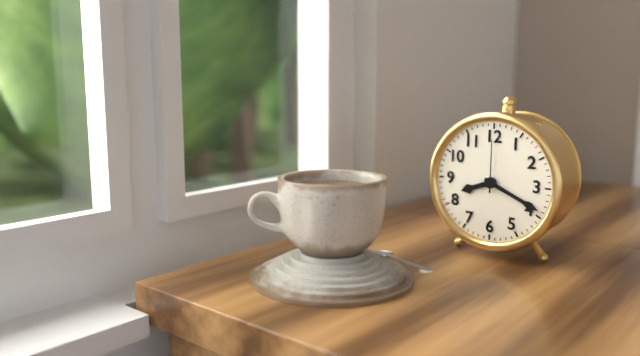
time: 8:19:00
